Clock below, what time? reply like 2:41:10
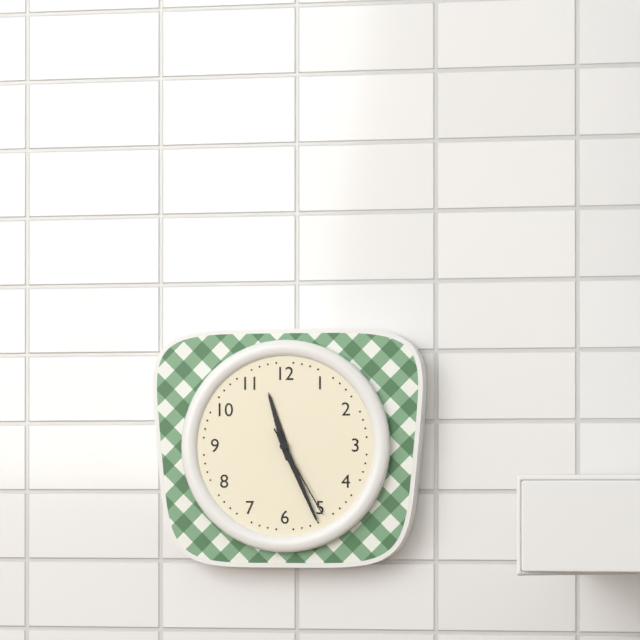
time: 11:26:25
